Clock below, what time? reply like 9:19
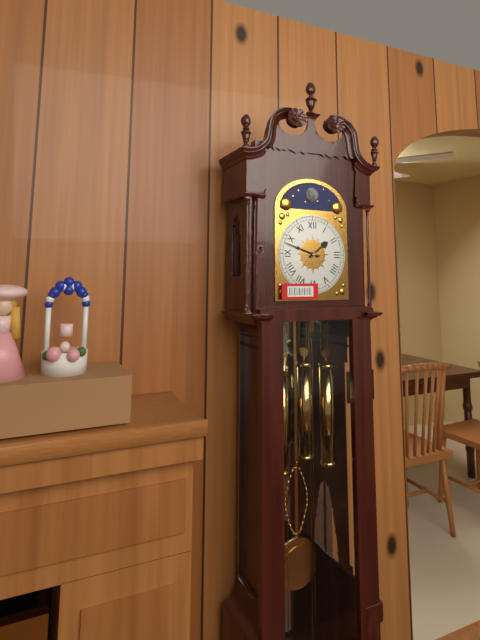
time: 1:48
